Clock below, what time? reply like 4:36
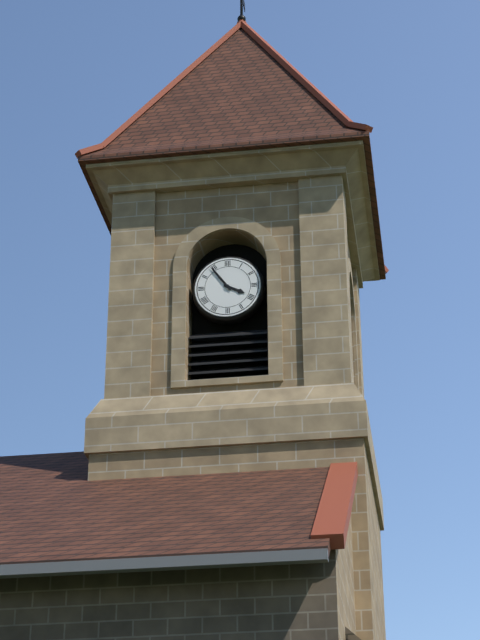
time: 3:54
